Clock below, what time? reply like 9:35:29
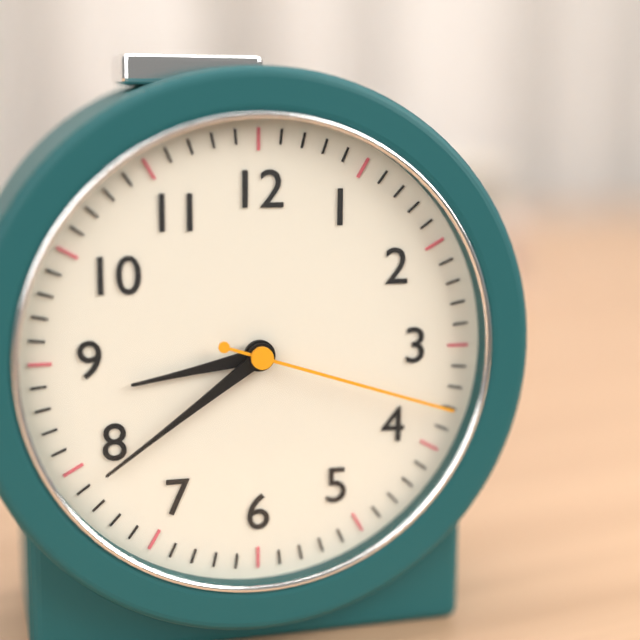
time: 8:39:18
